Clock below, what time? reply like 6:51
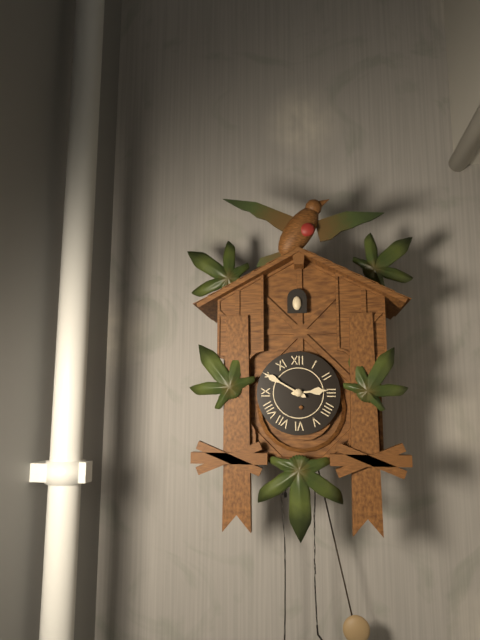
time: 2:50
